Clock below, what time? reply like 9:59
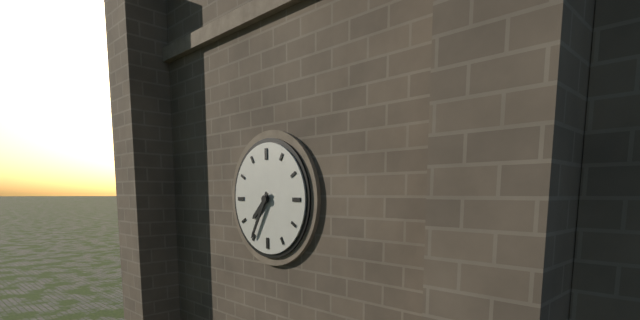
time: 7:35
